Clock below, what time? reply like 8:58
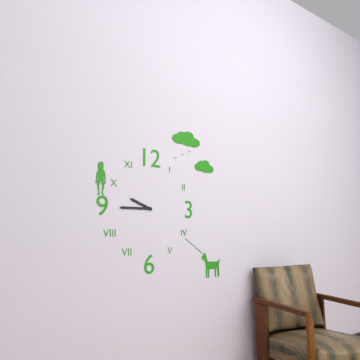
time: 9:45
